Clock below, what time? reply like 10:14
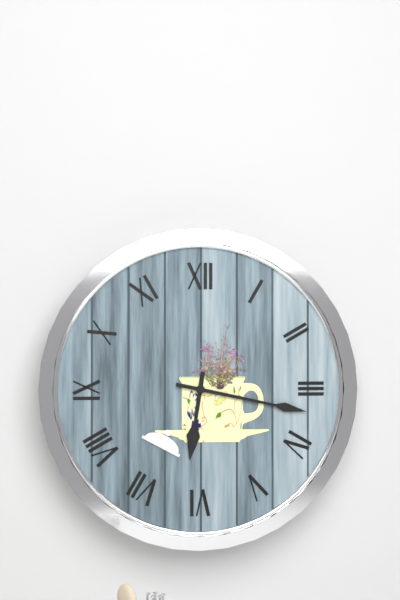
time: 6:17
